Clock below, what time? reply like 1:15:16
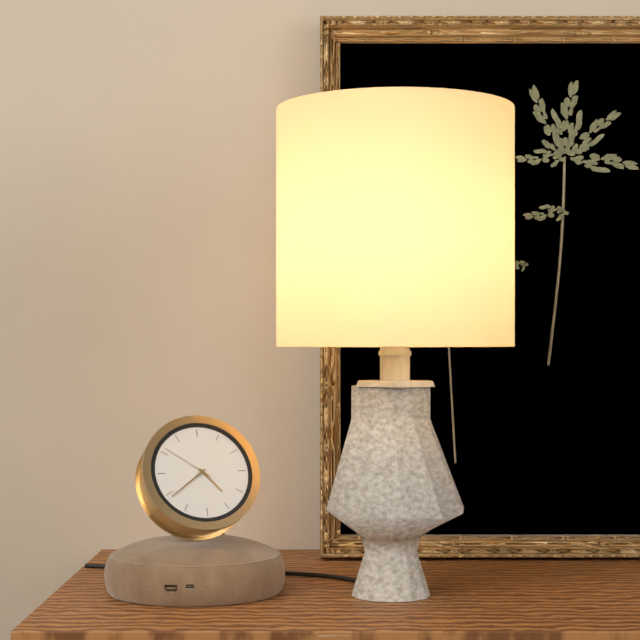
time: 4:39:51
